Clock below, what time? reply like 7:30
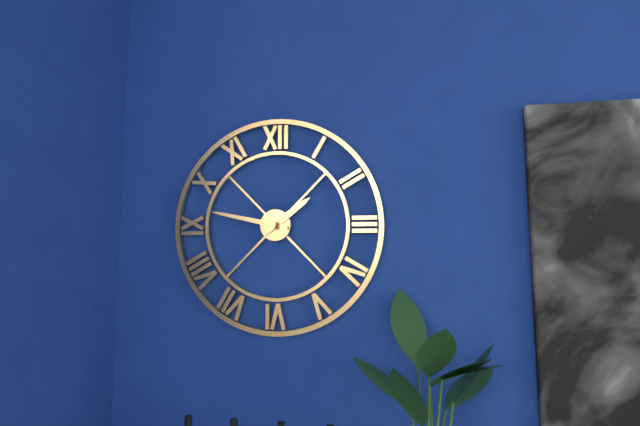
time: 1:47
